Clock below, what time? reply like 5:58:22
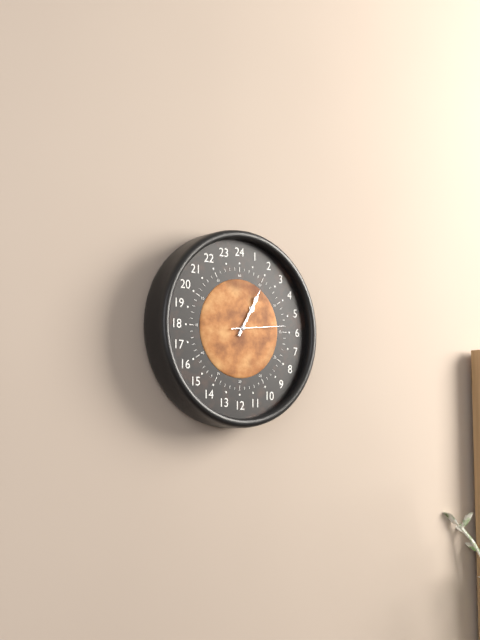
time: 1:05:14
